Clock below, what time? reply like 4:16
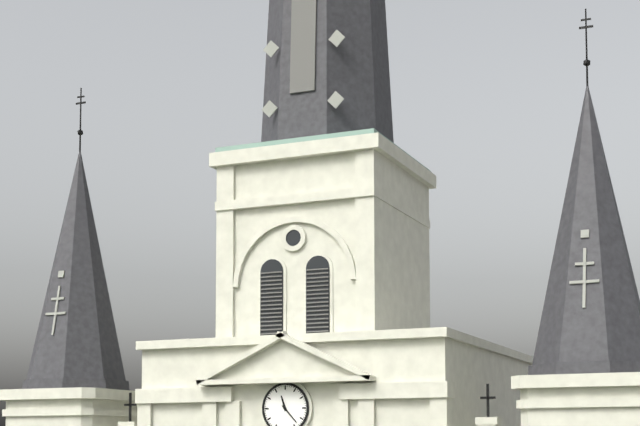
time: 11:23
